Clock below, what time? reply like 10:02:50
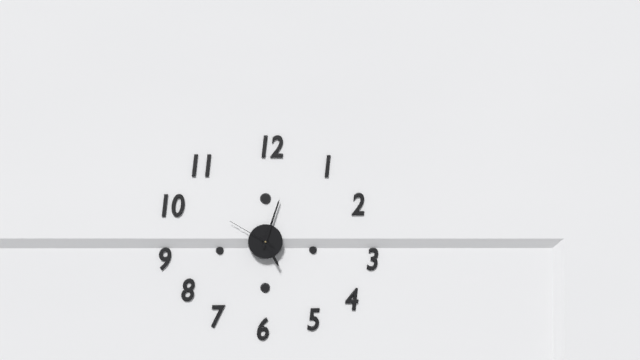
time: 5:03:50
